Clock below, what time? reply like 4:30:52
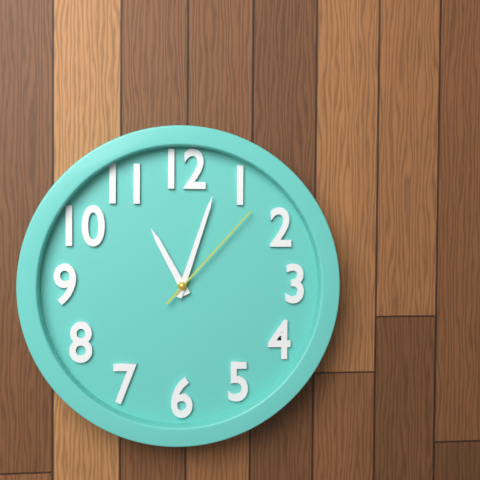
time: 11:03:07
